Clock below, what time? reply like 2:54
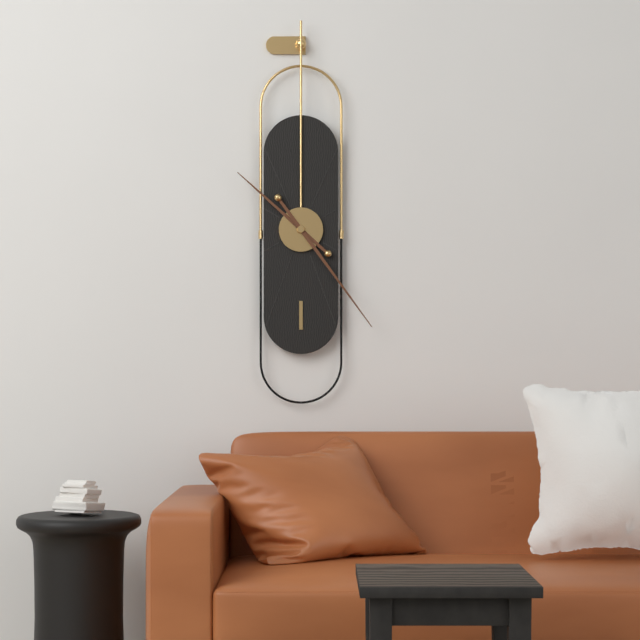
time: 10:24
